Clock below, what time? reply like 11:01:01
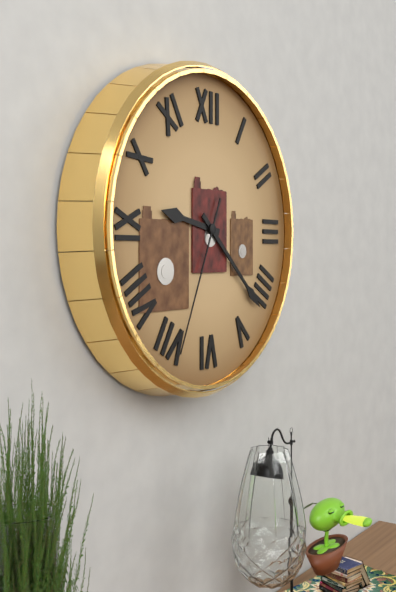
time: 9:22:34
